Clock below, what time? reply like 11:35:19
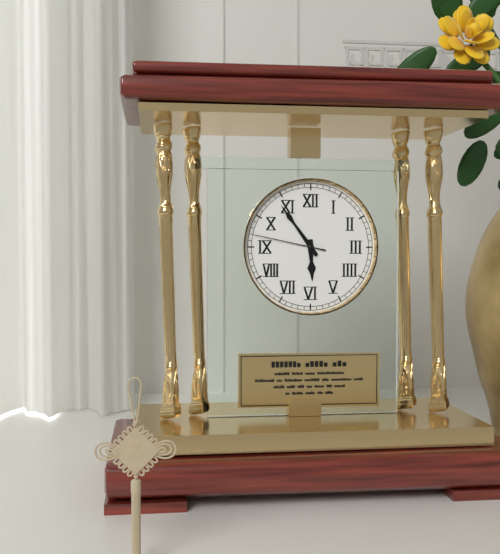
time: 5:54:47
